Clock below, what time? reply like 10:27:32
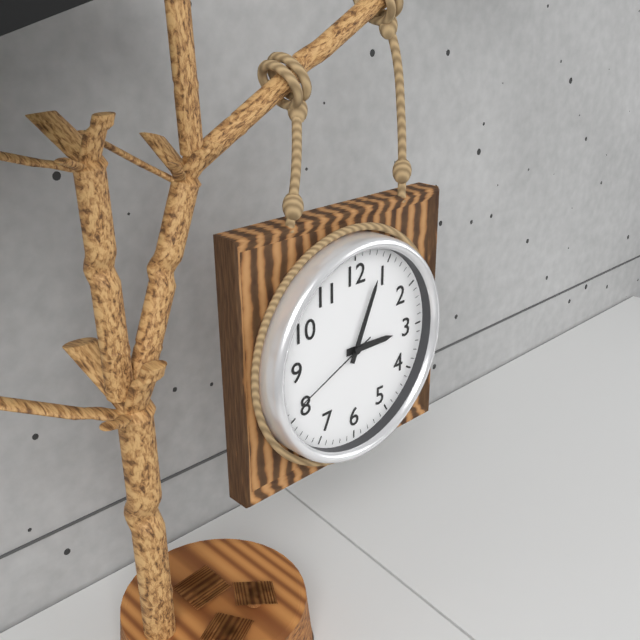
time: 3:04:41
